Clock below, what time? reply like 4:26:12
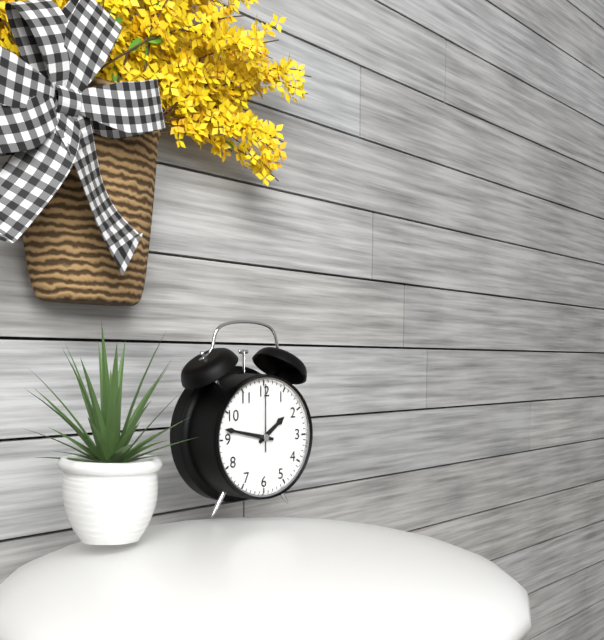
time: 1:47:00
